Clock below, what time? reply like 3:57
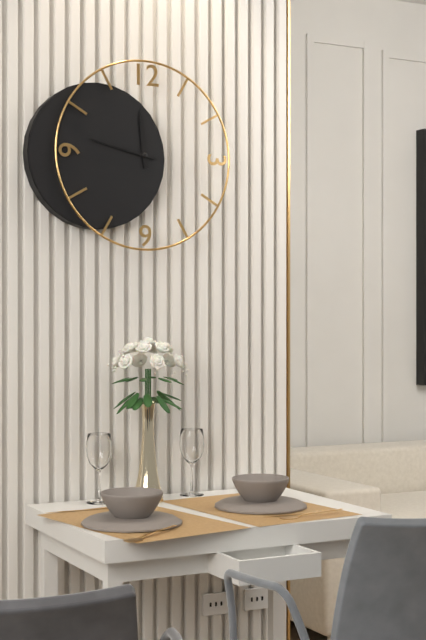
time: 11:47
